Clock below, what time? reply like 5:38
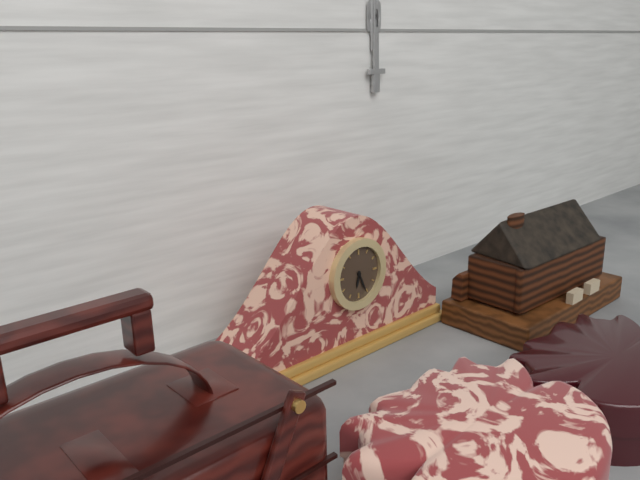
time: 6:26
